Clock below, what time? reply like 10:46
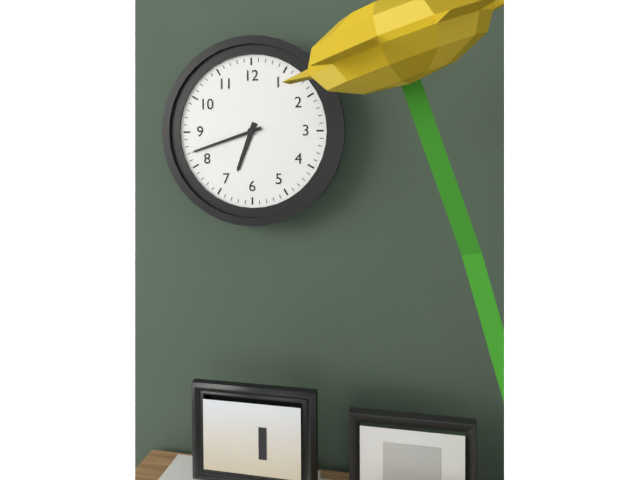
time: 6:42
